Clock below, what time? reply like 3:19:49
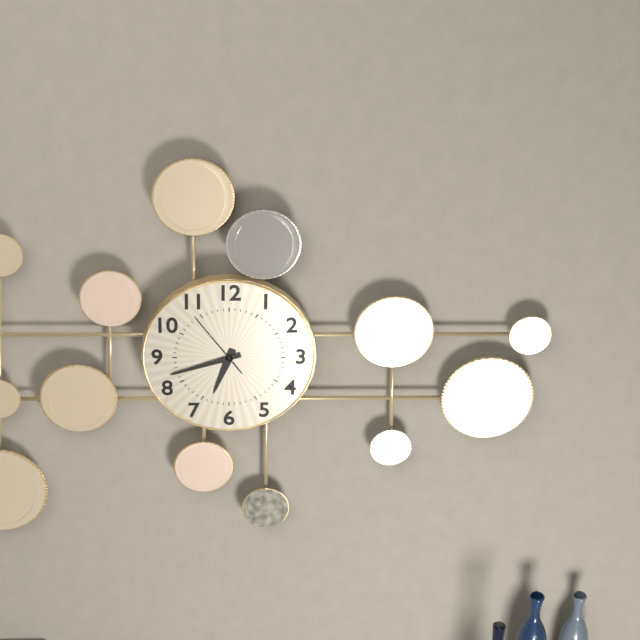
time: 6:42:54
